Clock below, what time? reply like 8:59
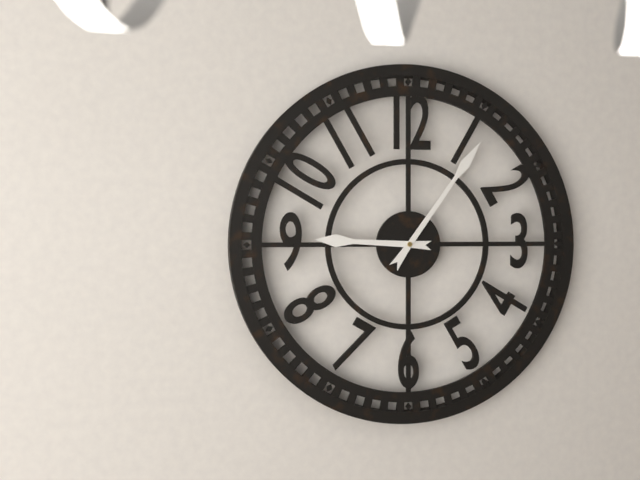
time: 9:06
